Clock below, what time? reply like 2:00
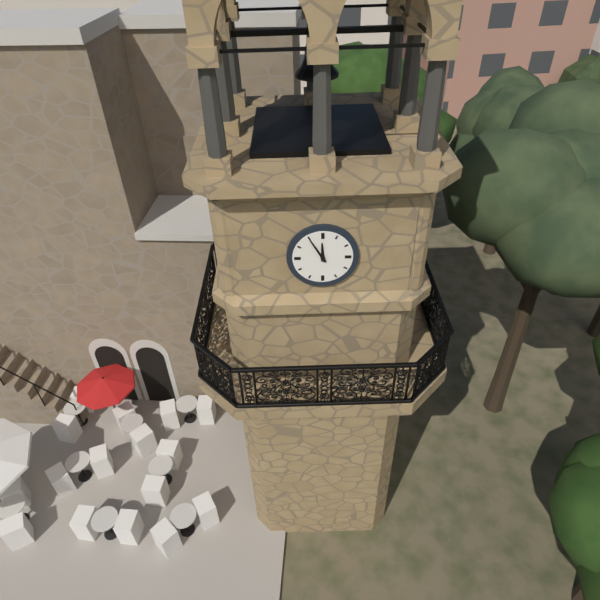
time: 11:55
